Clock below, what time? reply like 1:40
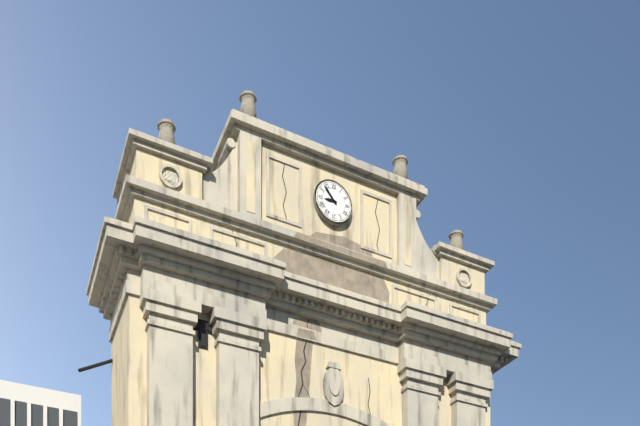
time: 8:53
